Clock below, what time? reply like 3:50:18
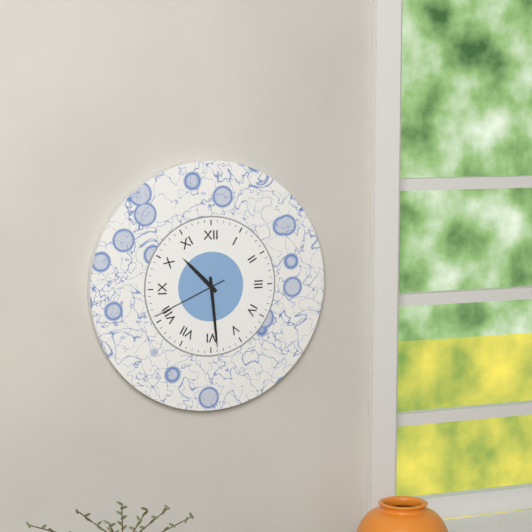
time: 10:29:41
